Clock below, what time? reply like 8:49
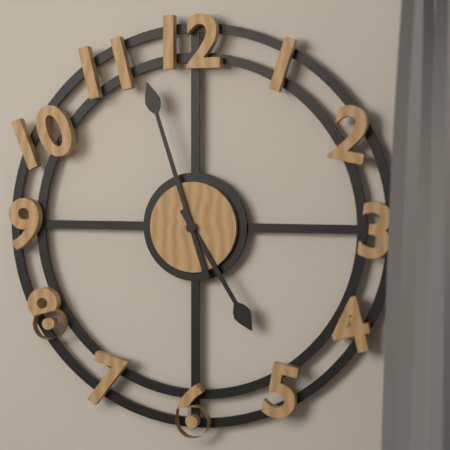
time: 4:57
